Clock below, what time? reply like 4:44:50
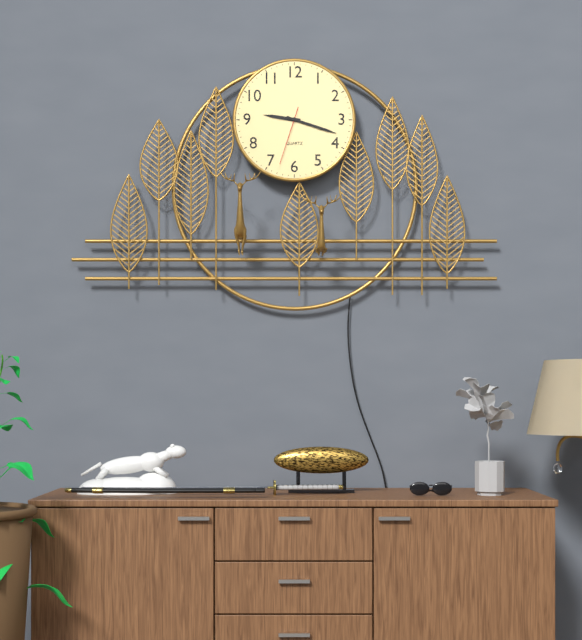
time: 9:18:33
